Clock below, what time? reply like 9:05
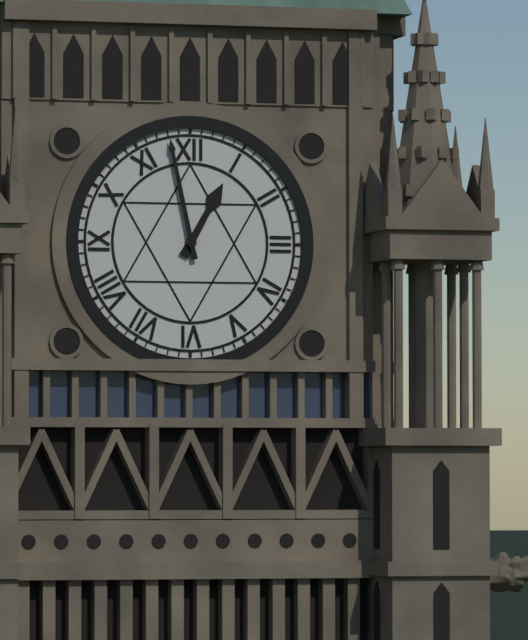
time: 12:58
